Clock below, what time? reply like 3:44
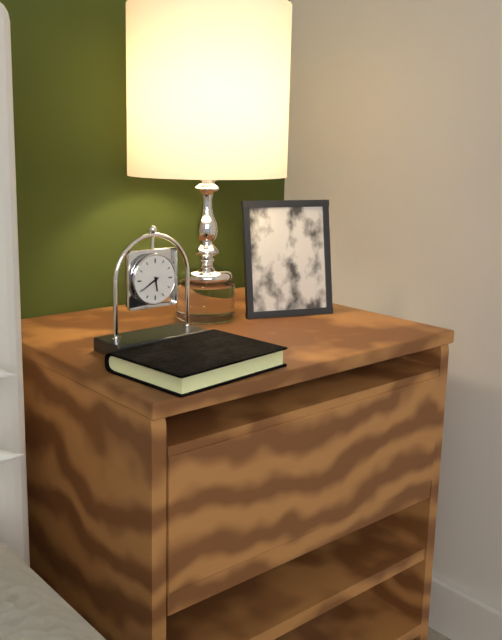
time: 5:40
